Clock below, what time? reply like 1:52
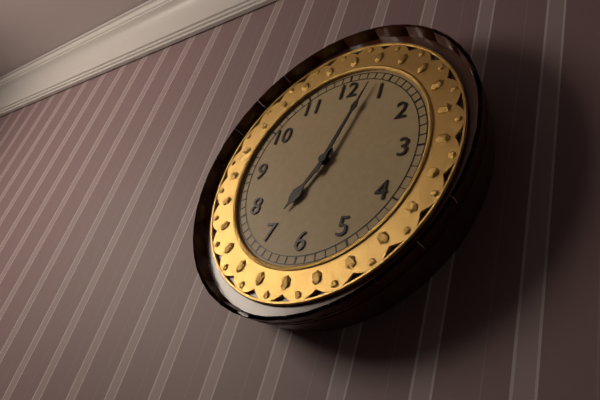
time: 7:03
